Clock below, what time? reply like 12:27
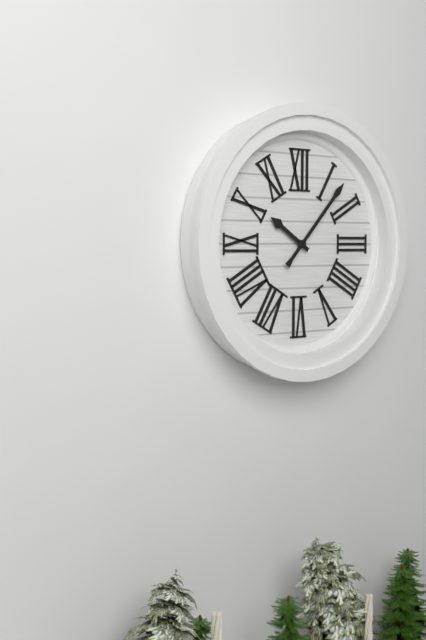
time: 10:07
